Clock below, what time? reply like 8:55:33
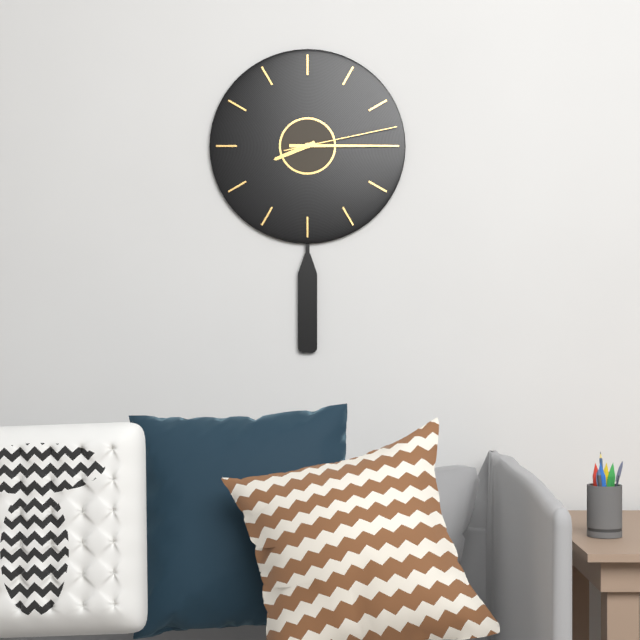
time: 8:15:13
